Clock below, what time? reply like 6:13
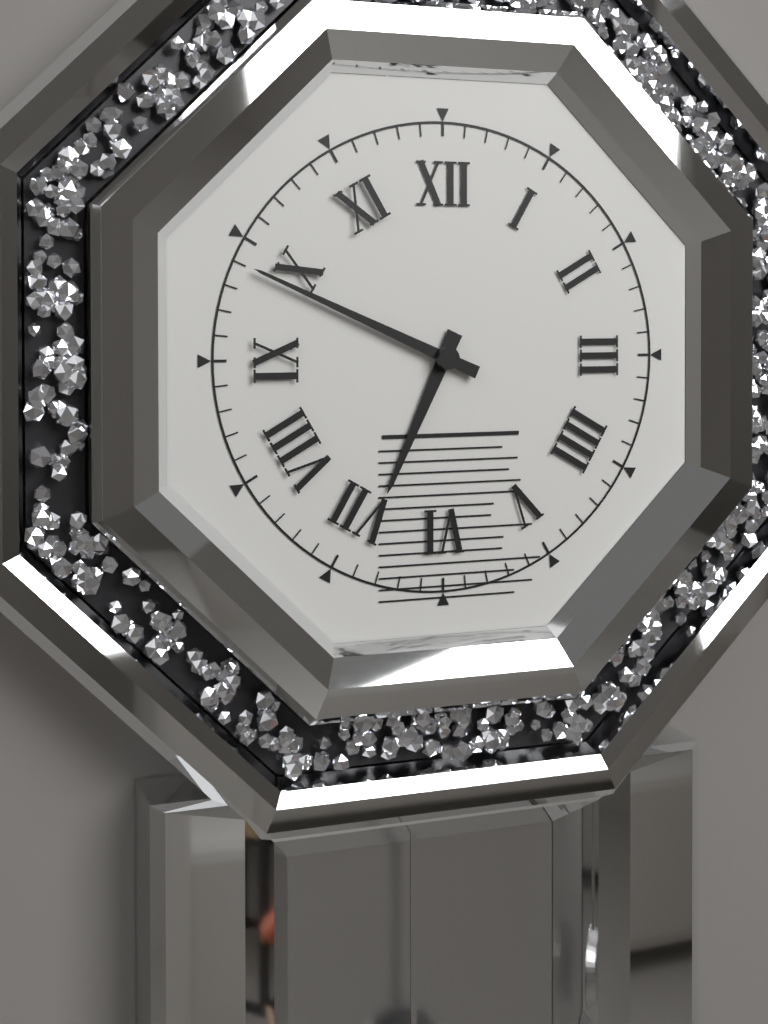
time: 6:49
